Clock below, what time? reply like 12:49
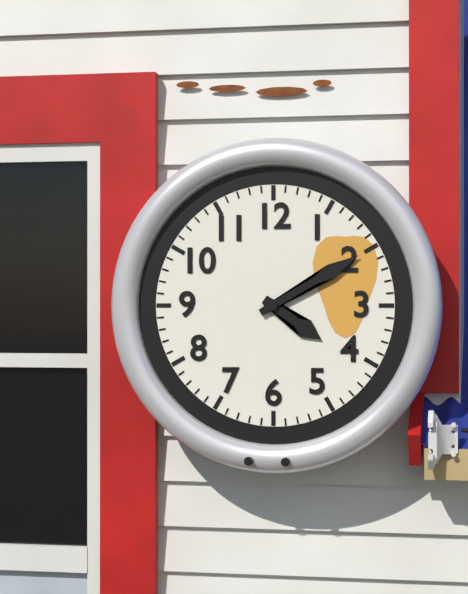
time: 4:10
